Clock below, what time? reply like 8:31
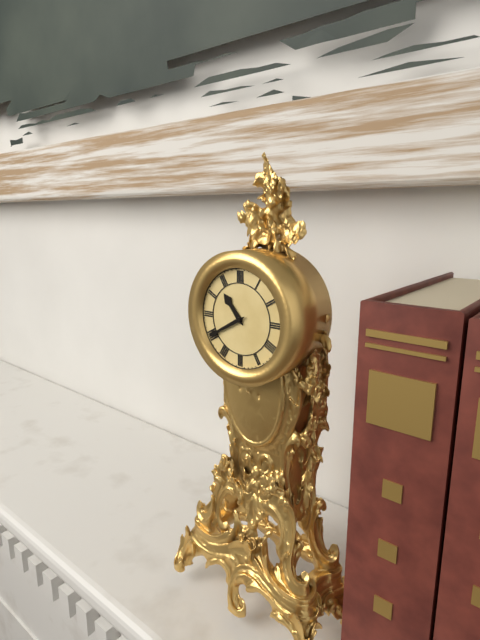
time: 10:40
